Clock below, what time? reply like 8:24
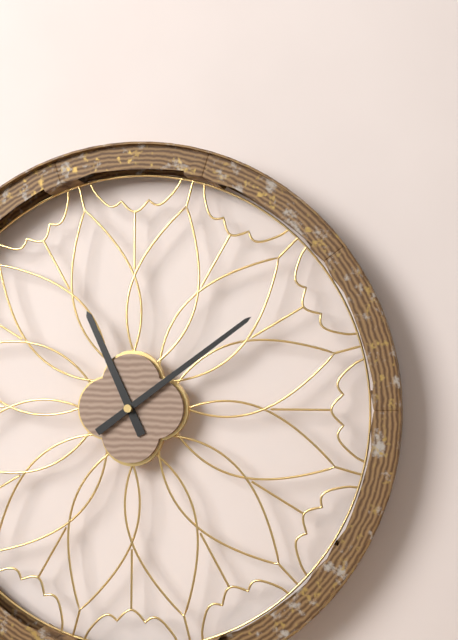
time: 11:09
